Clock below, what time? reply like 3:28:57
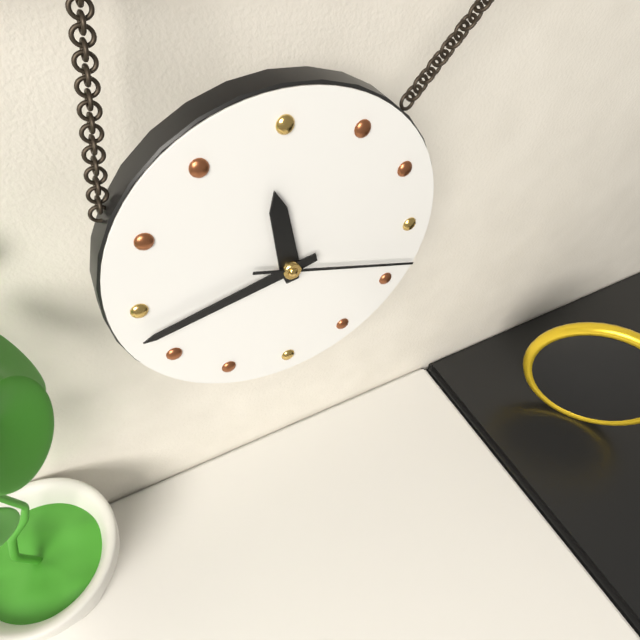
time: 11:43:18
